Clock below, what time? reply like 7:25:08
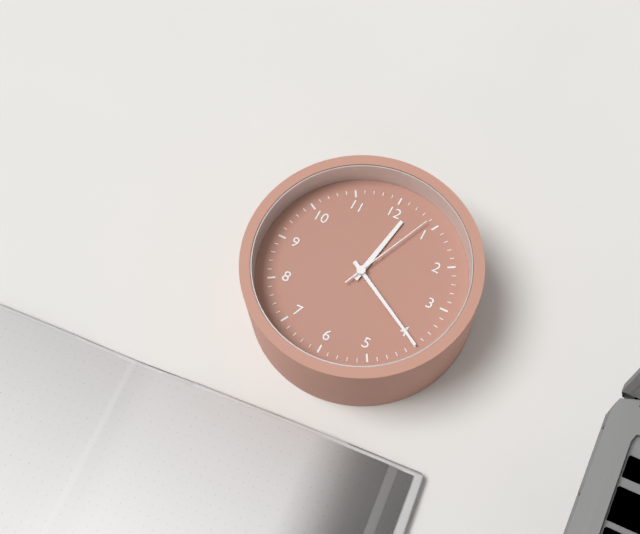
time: 12:20:04
